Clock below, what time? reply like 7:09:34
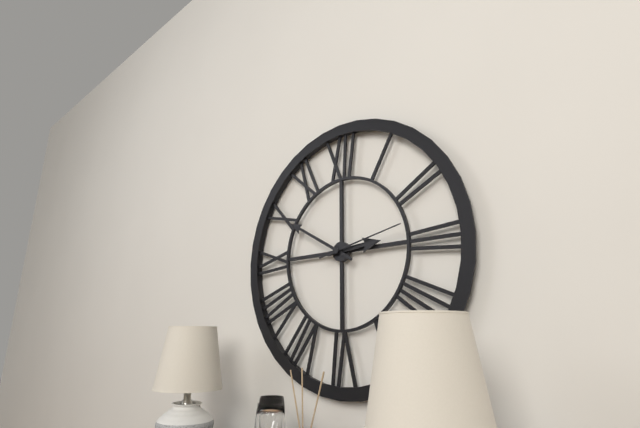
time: 2:50:13
